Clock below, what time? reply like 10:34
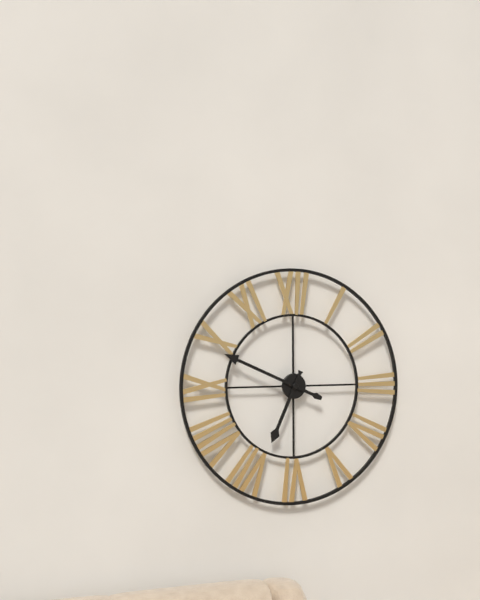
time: 6:49
